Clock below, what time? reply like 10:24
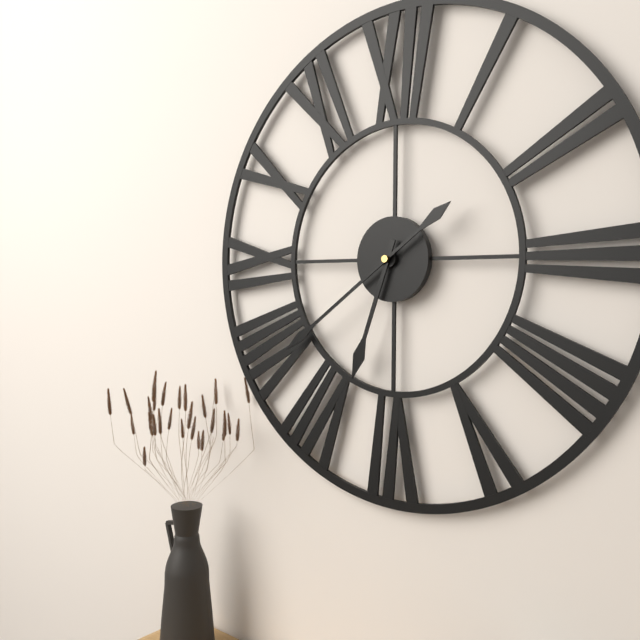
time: 6:39
